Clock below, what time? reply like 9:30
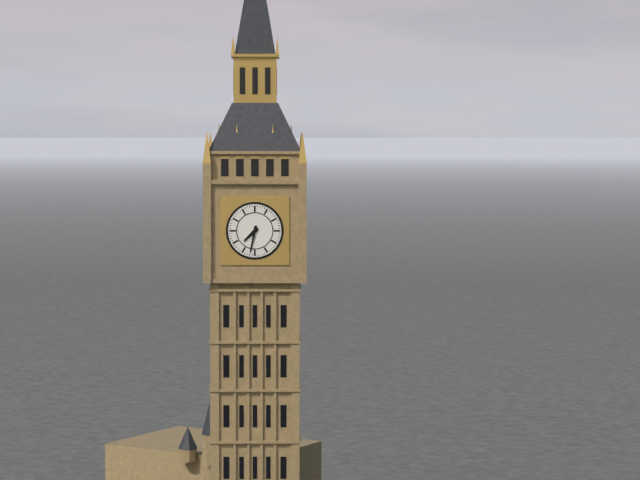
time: 7:32
